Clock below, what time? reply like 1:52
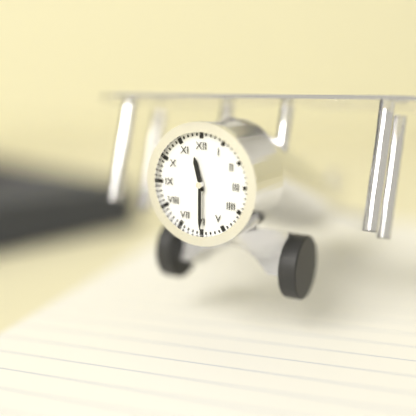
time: 11:30
